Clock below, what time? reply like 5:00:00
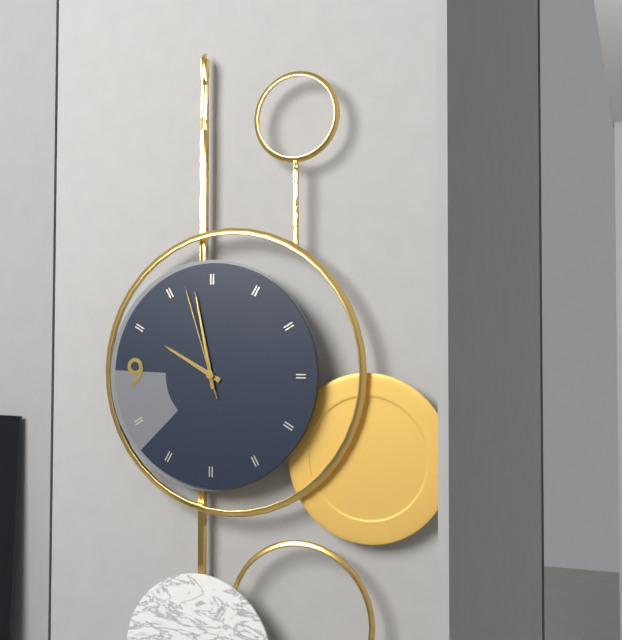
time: 9:58:57
